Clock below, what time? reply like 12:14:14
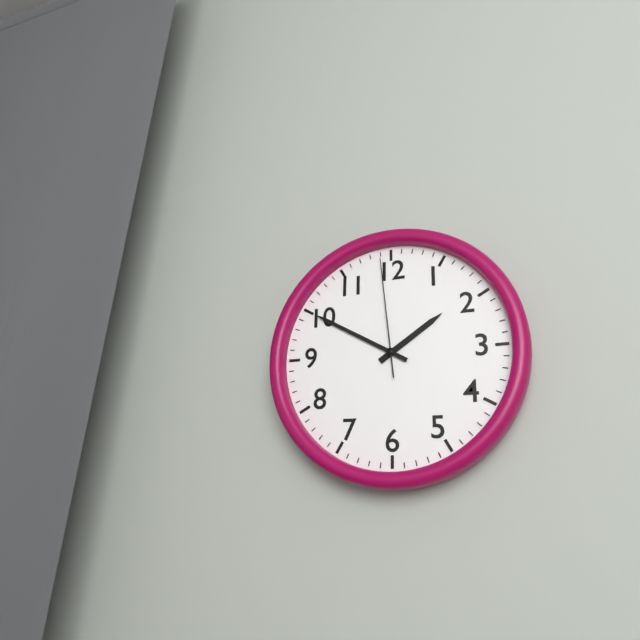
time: 1:50:59
